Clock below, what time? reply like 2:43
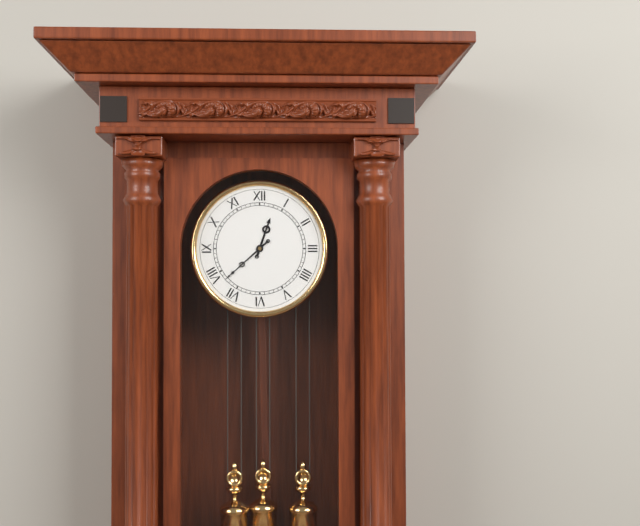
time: 12:38
